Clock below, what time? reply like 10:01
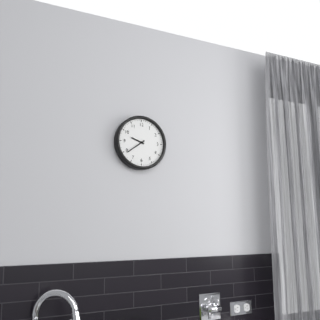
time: 9:39
